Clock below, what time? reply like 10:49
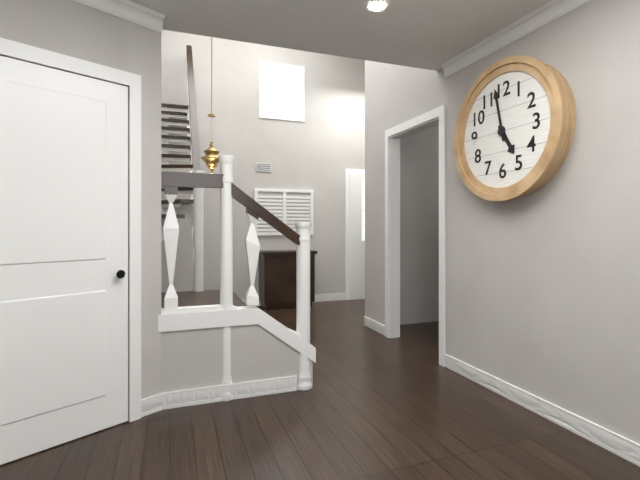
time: 4:58
